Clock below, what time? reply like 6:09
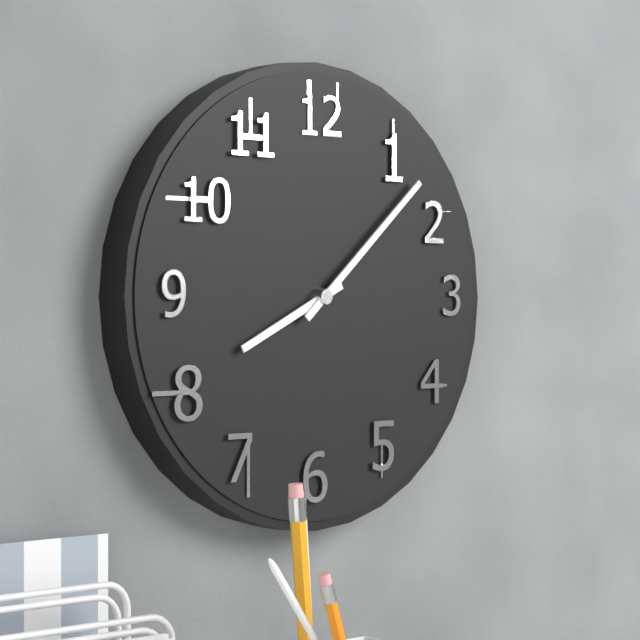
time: 8:08
